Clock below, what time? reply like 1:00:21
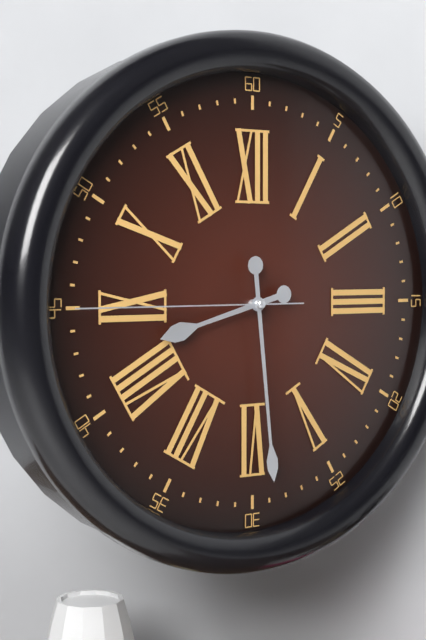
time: 8:29:45
